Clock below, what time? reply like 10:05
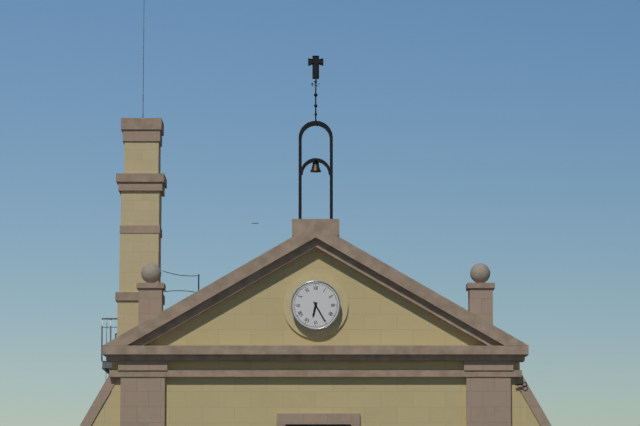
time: 6:25
